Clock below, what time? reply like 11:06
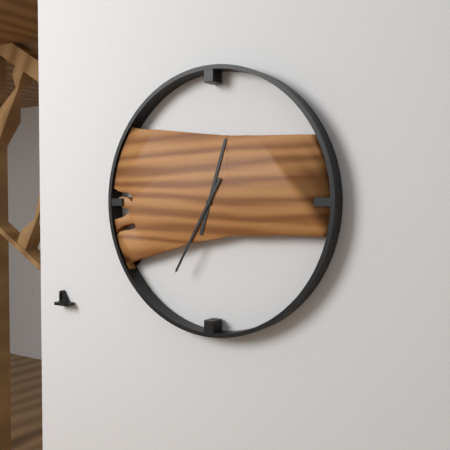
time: 12:35
